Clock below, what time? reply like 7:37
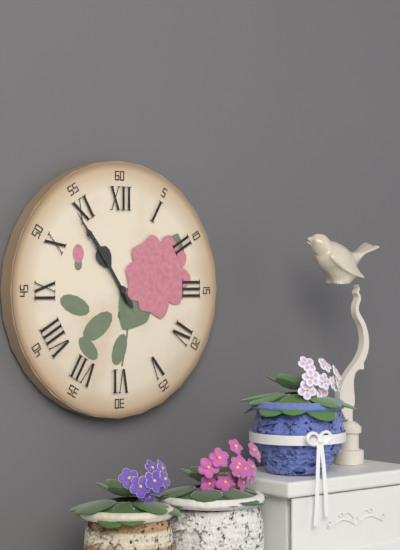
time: 10:54
